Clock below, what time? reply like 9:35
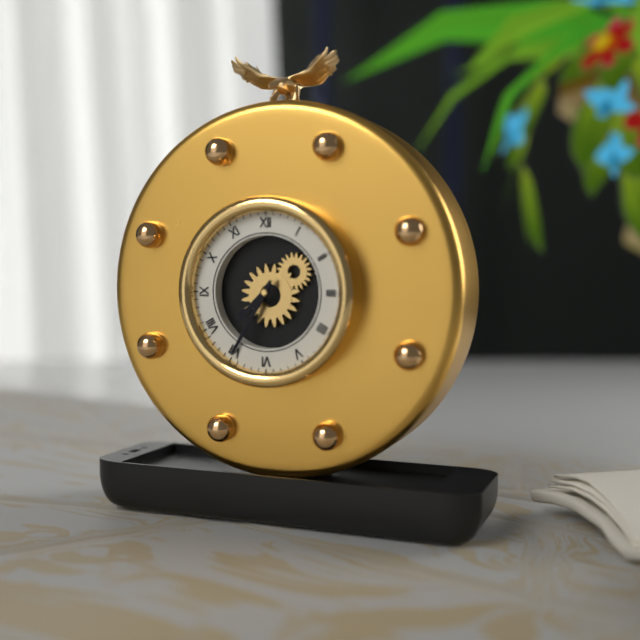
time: 7:35
